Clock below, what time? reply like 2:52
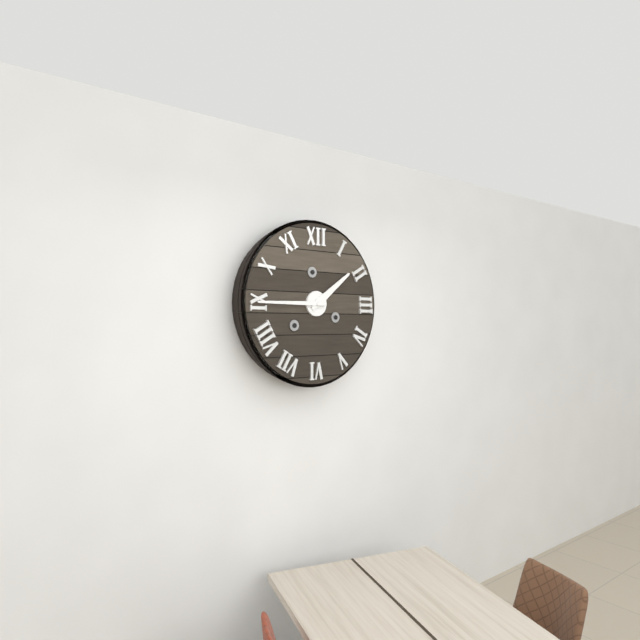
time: 1:45
